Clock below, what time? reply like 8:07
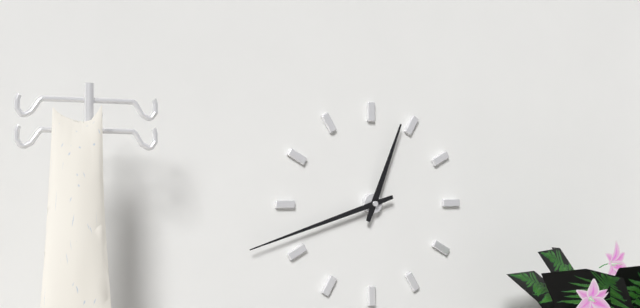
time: 12:42
